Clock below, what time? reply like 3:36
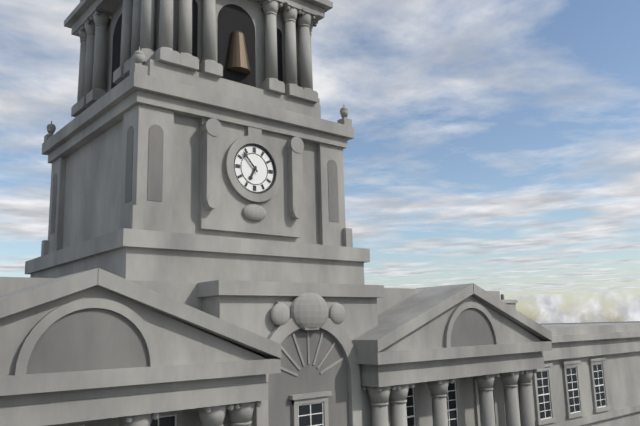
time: 6:53
